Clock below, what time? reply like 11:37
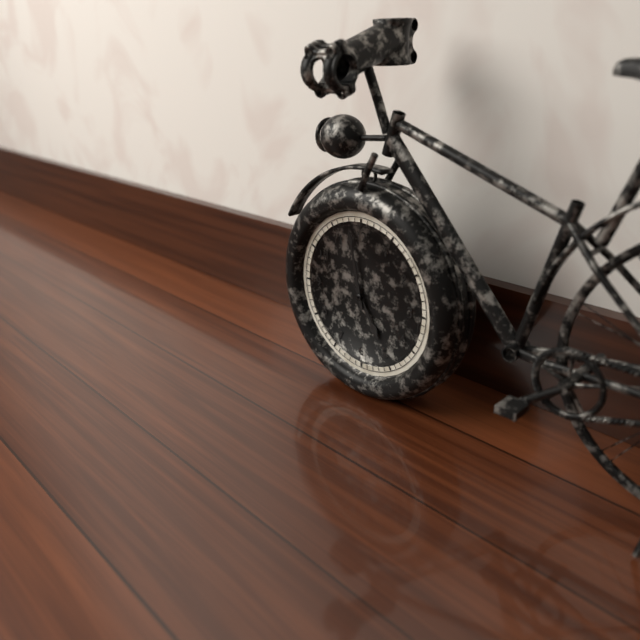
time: 4:58
